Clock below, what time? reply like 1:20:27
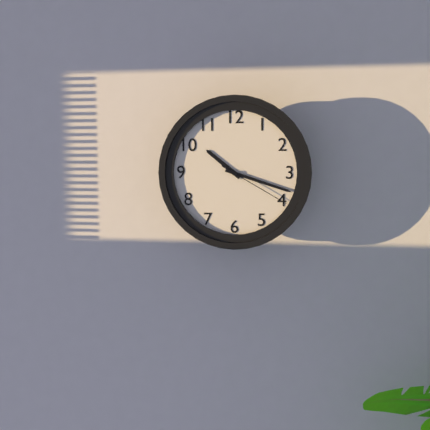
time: 10:18:20
